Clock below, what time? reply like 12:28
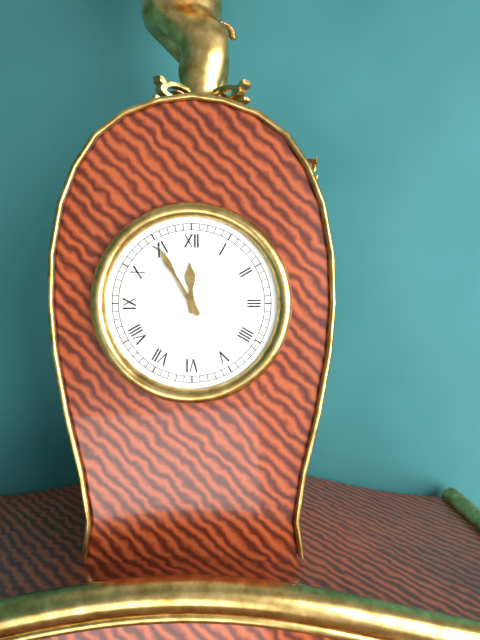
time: 11:55
